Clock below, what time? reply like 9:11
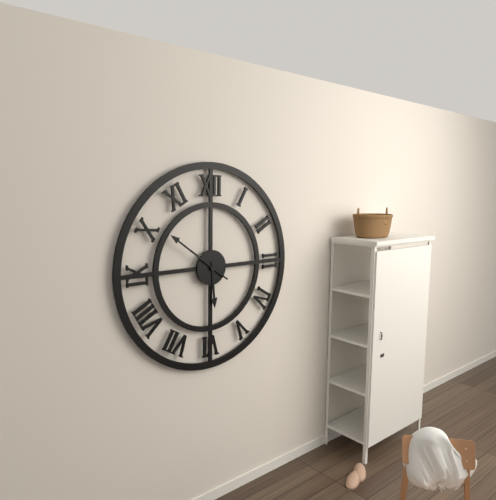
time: 5:51
